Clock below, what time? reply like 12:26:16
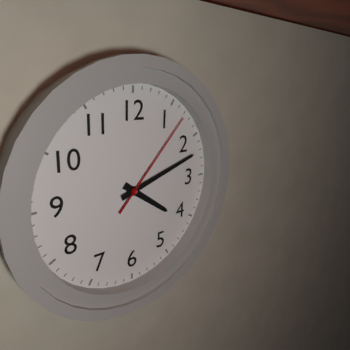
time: 4:12:07
